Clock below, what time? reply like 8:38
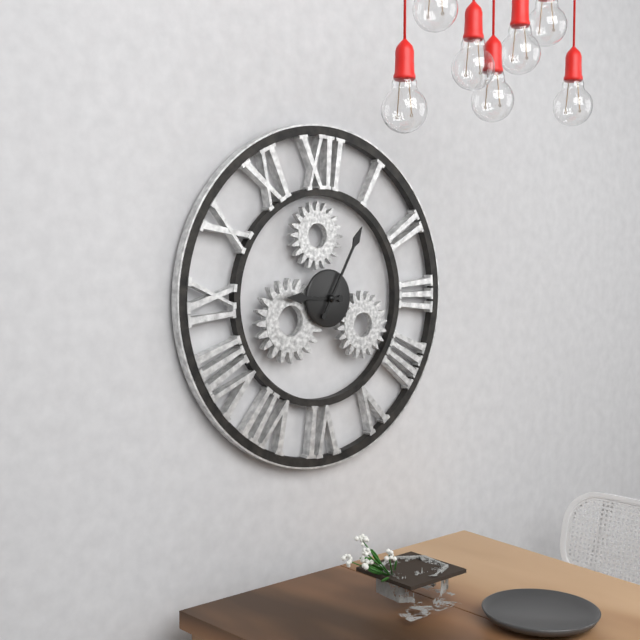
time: 9:05
